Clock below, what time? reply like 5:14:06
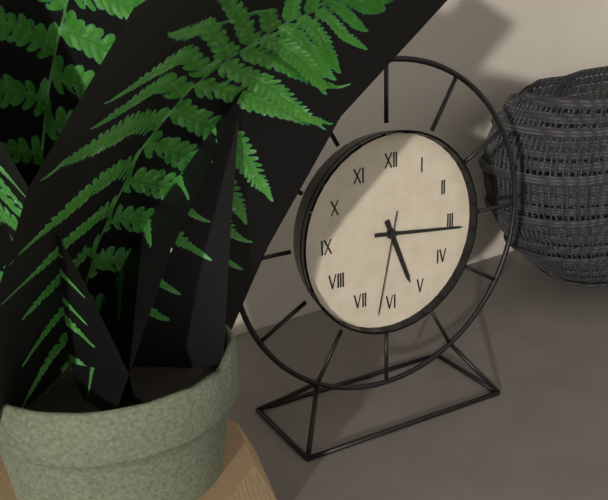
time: 5:16:32
